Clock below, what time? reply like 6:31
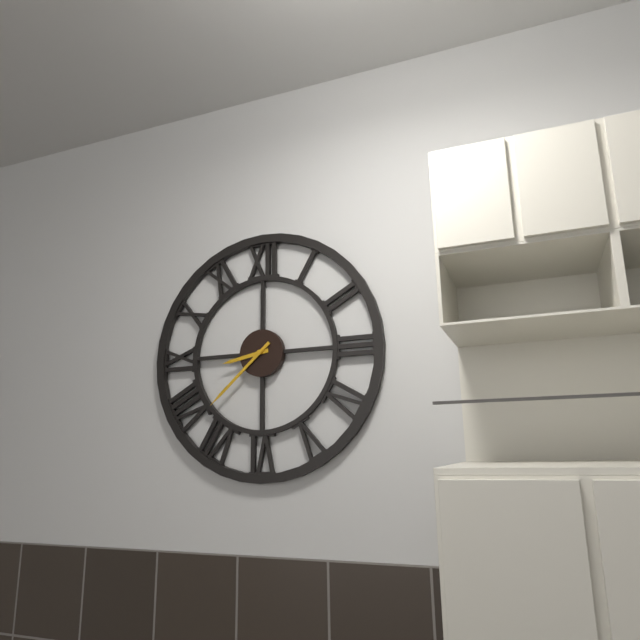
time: 8:38
